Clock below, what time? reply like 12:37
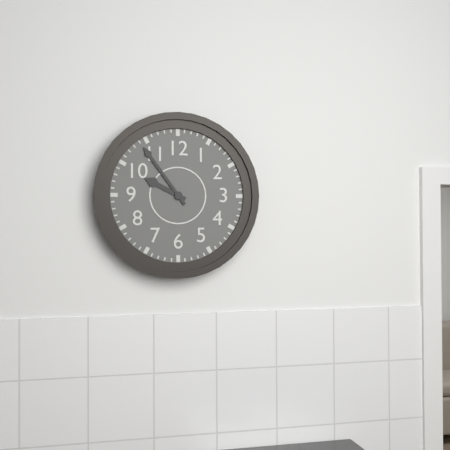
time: 9:54
